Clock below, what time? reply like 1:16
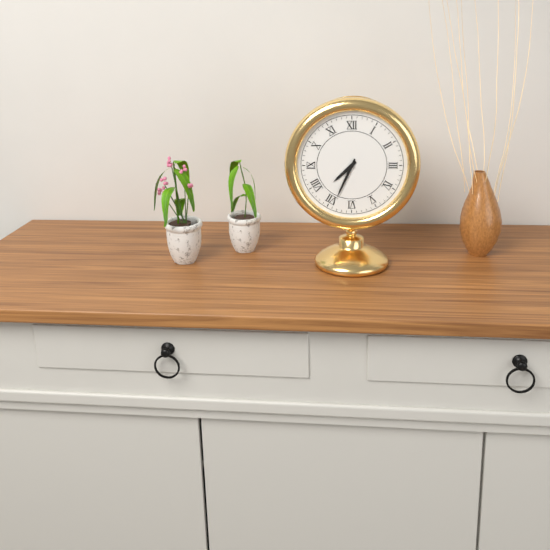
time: 7:34
